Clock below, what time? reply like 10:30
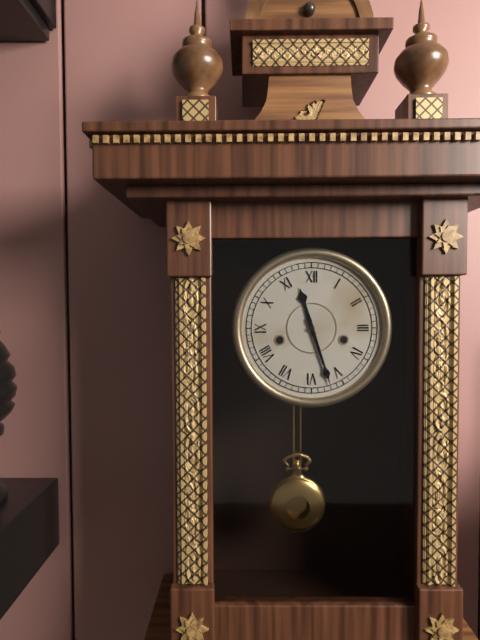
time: 11:27
